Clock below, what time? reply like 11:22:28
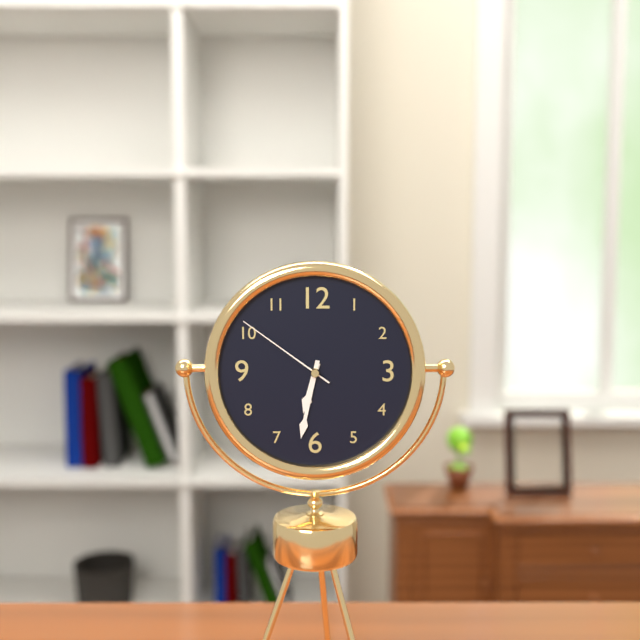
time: 6:32:51
